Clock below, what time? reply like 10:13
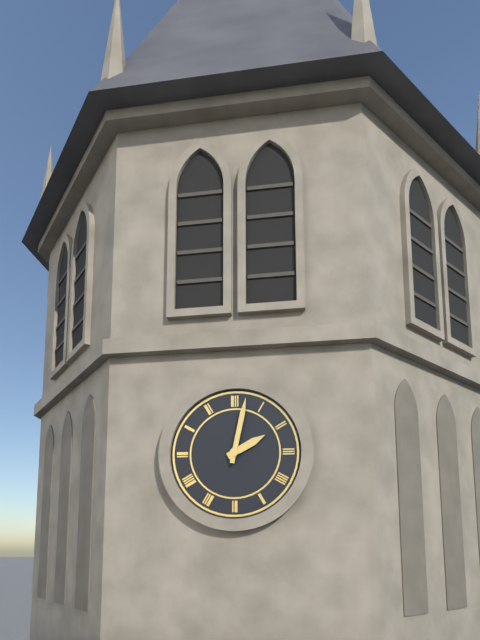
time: 2:02
